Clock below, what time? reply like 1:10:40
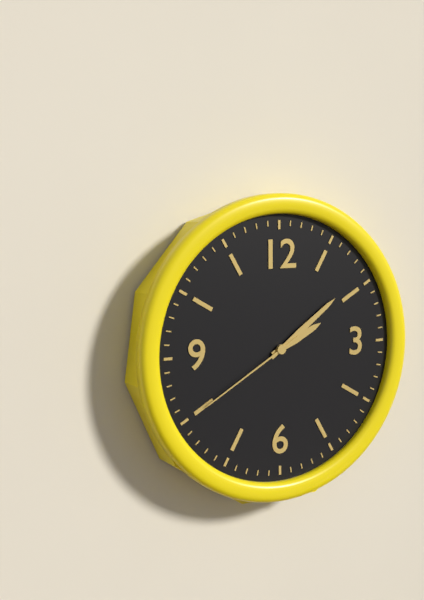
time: 2:09:40
